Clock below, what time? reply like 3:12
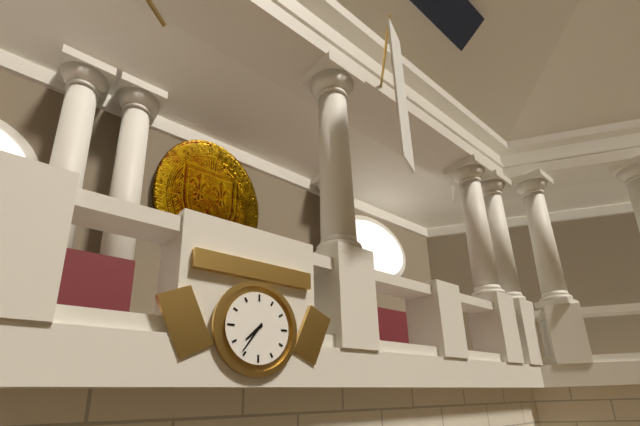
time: 7:36
